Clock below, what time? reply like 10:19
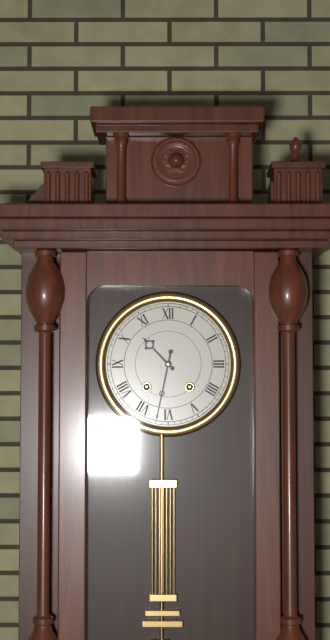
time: 10:32
